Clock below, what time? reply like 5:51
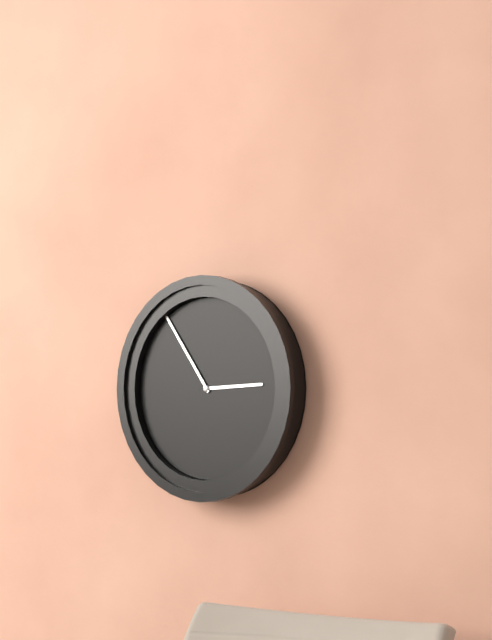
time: 2:54
